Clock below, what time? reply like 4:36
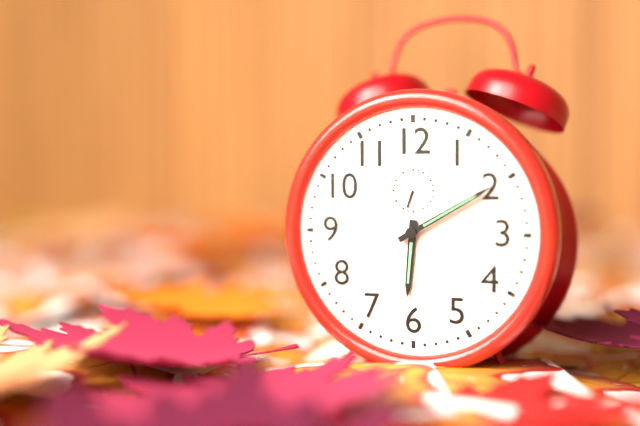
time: 6:10
